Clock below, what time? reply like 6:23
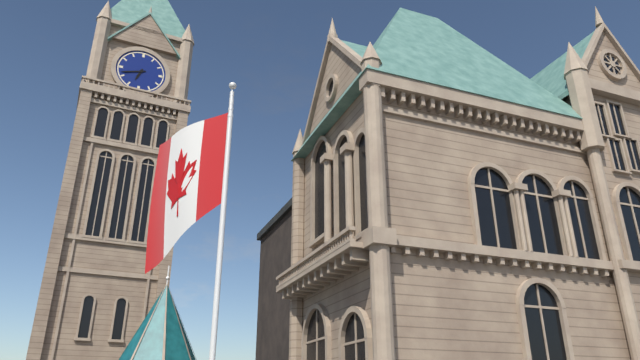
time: 6:42
